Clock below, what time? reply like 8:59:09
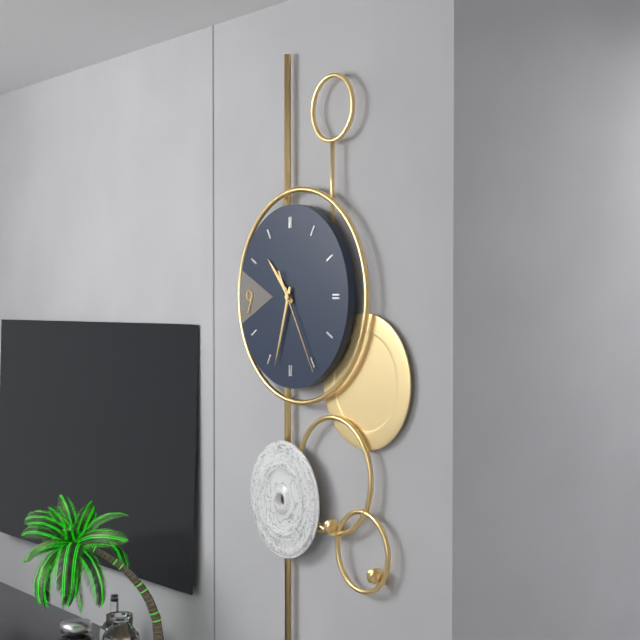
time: 10:33:25
